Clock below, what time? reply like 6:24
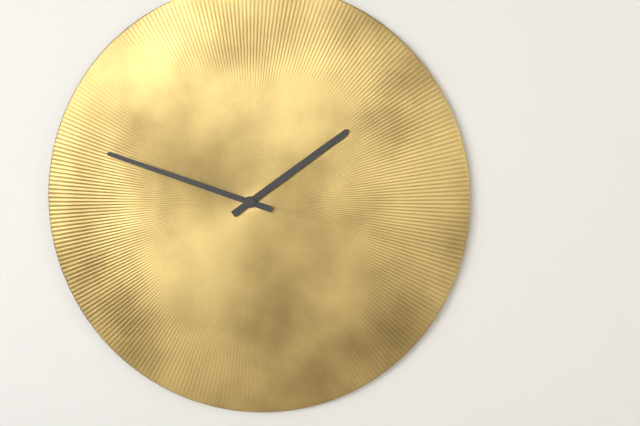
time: 1:48
